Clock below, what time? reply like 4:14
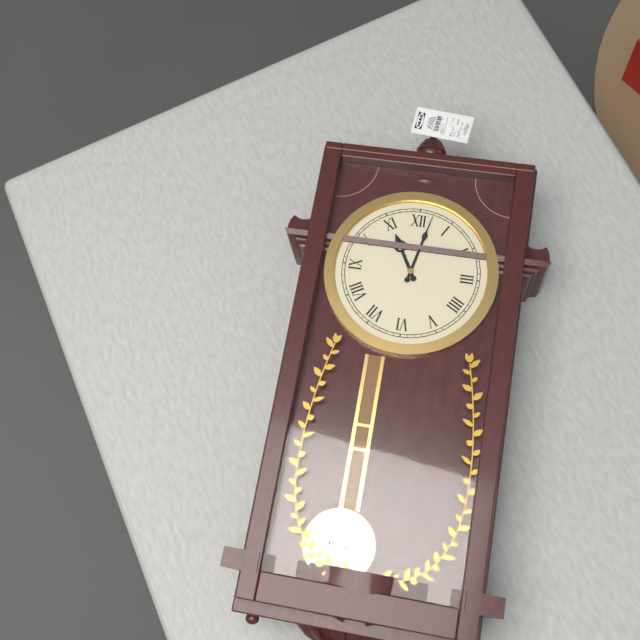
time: 11:02
